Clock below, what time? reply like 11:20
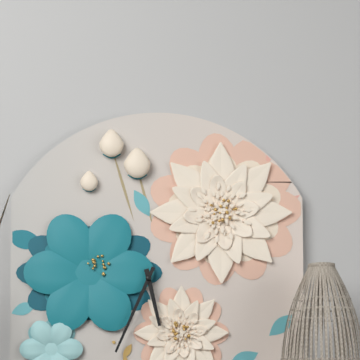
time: 5:34
